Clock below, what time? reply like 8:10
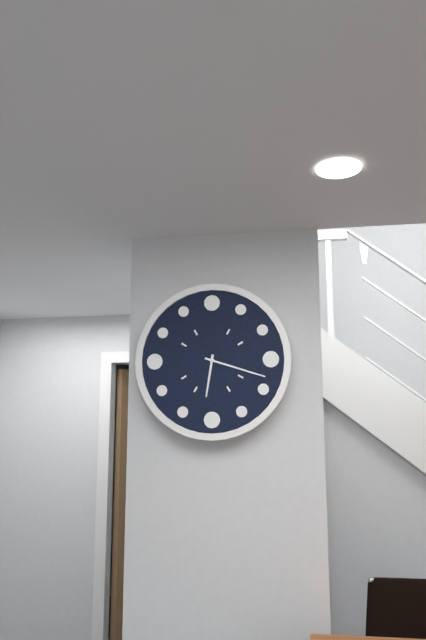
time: 6:18
